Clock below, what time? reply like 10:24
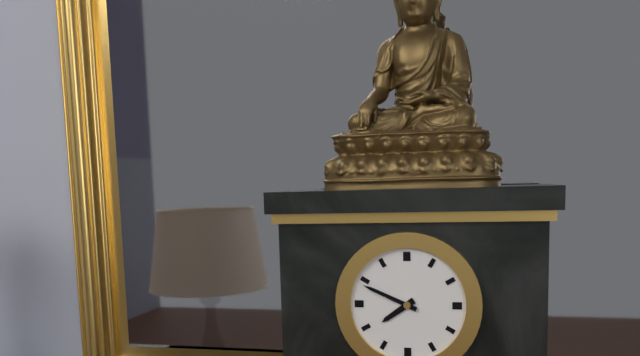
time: 7:49
